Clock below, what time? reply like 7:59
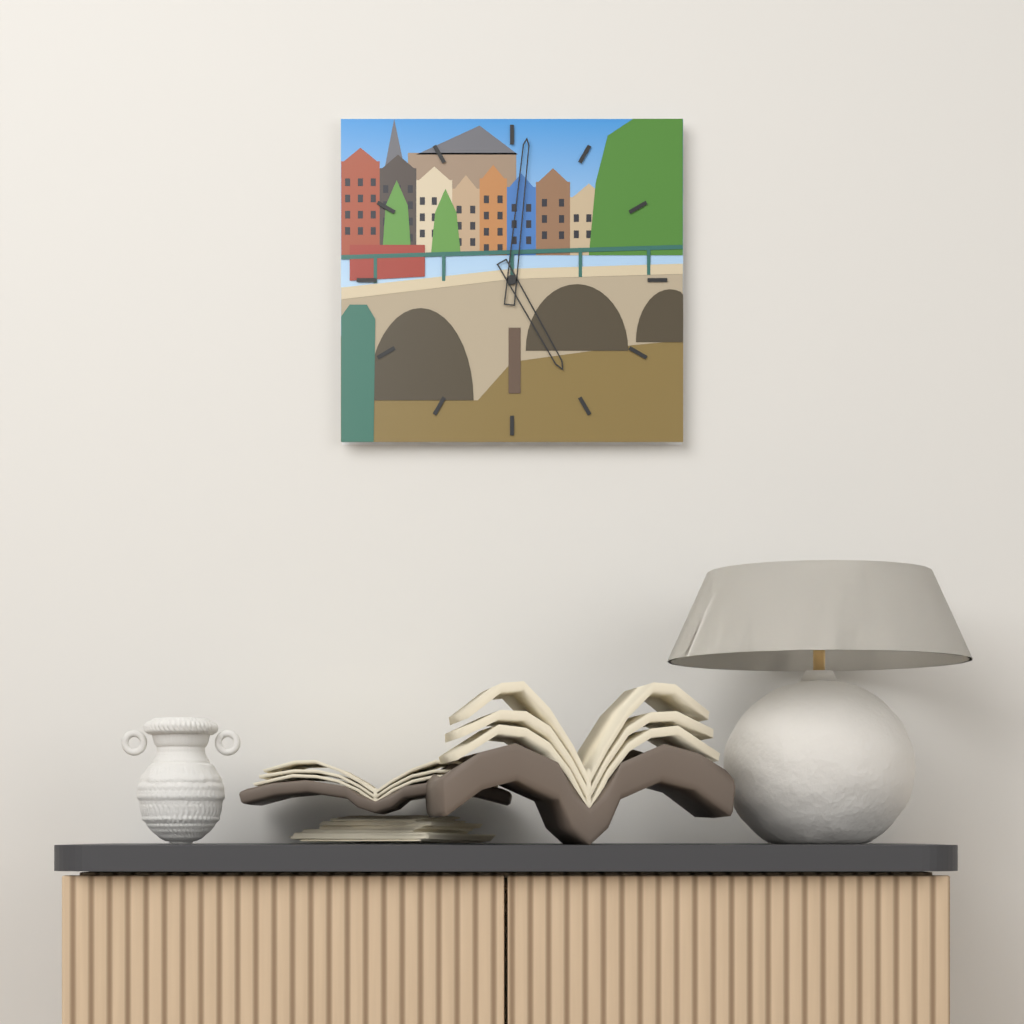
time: 5:01
